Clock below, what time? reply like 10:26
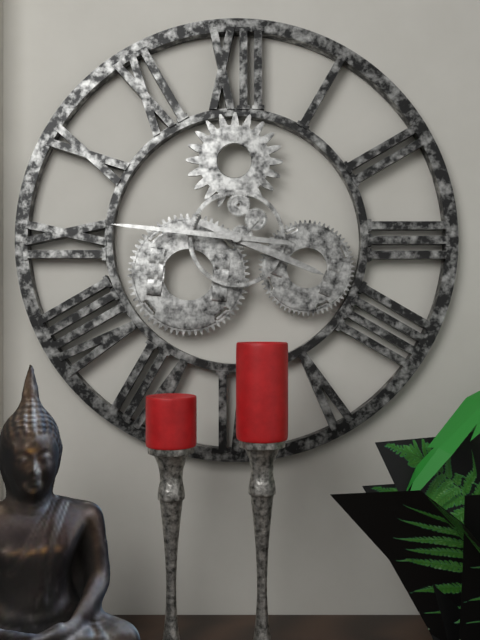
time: 3:46
